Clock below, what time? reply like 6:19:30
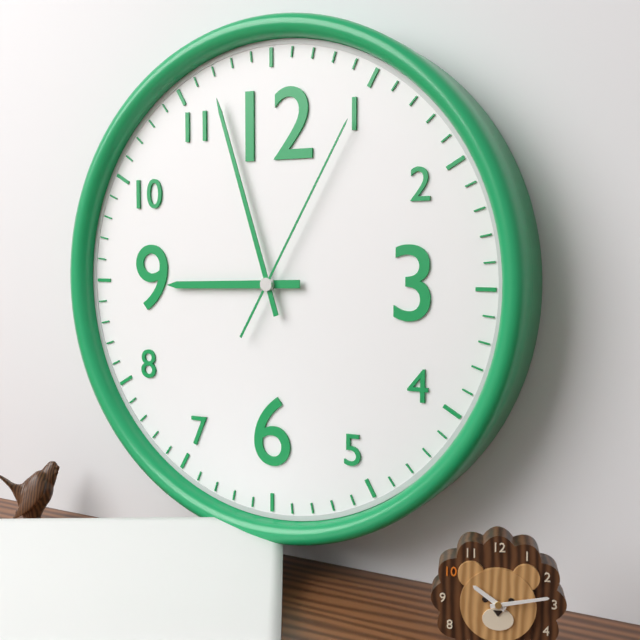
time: 8:57:05
